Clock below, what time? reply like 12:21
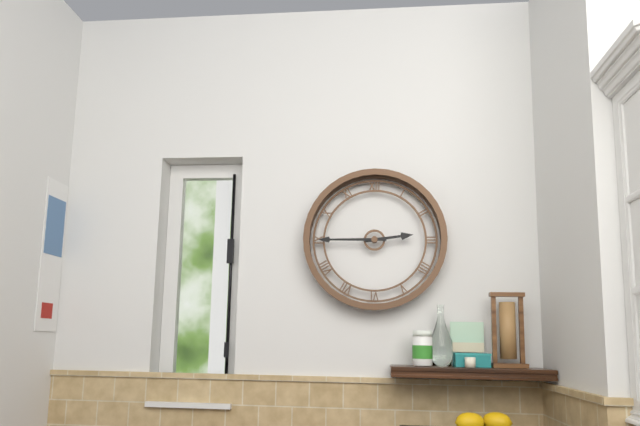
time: 2:45
